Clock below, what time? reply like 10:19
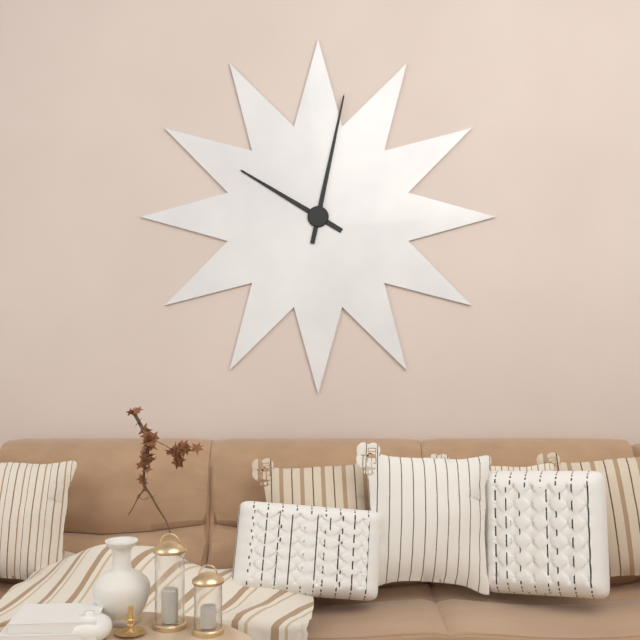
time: 10:02
